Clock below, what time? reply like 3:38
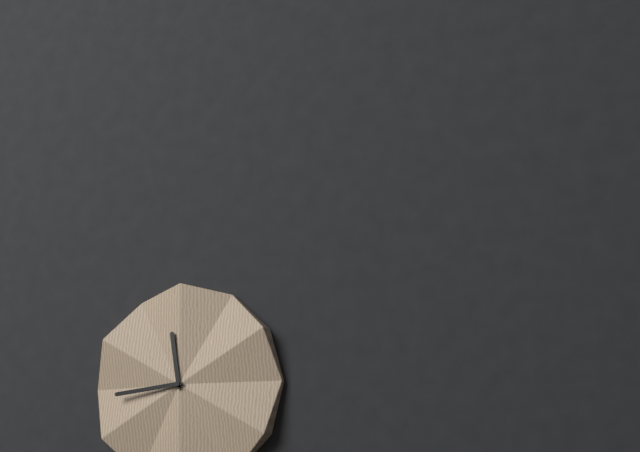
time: 11:44
